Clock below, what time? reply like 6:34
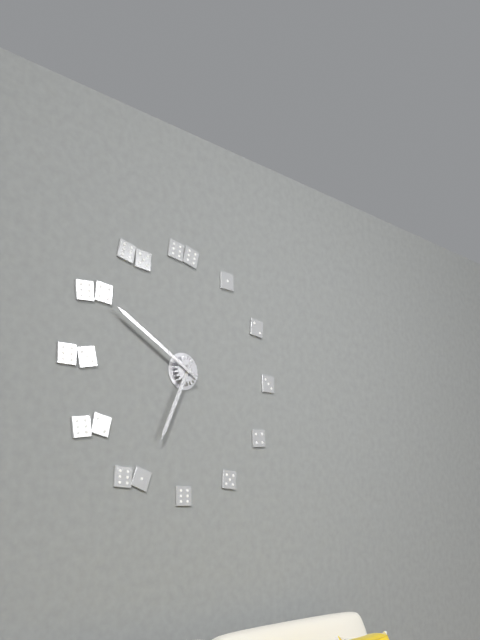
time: 6:50
